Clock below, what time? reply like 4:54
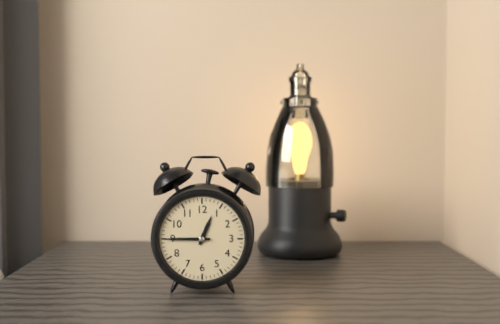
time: 12:45
